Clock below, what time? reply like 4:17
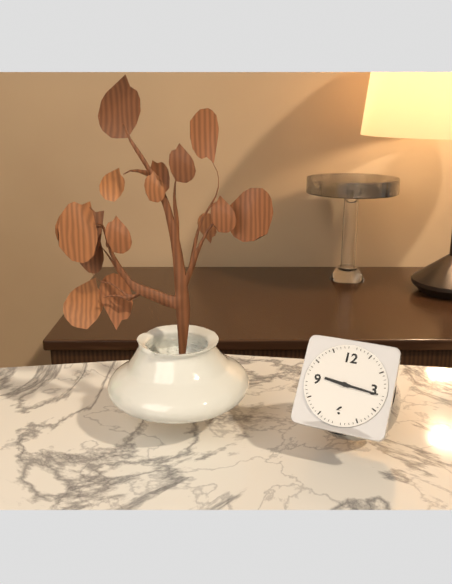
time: 9:16
